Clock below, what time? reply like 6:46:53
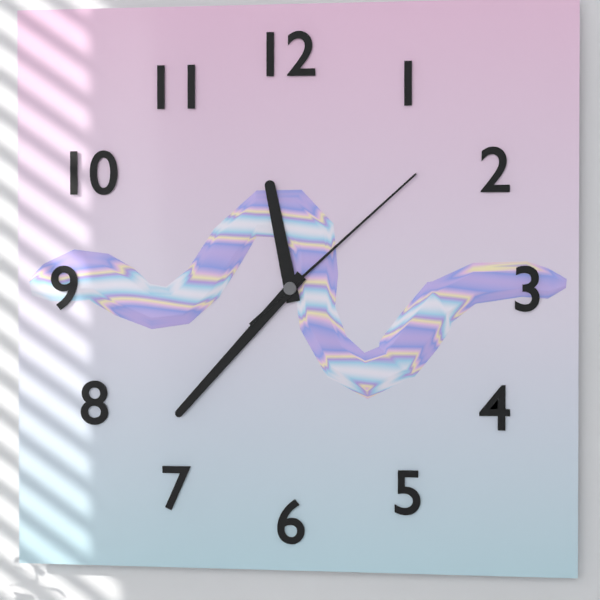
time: 11:37:08
